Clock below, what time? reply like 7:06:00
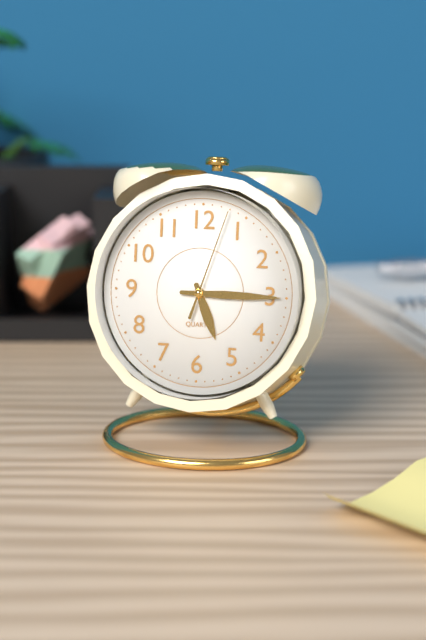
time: 5:15:03
